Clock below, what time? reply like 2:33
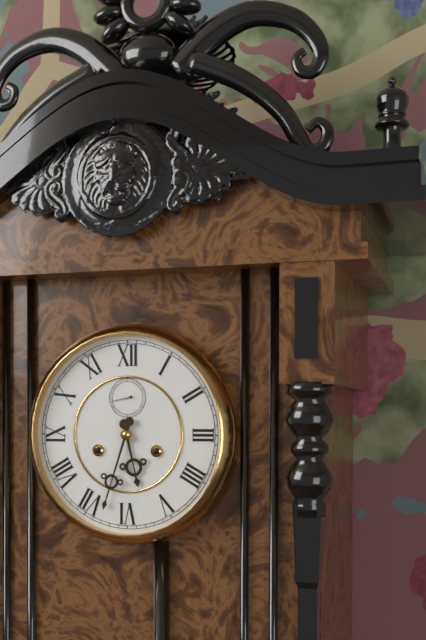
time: 5:33
